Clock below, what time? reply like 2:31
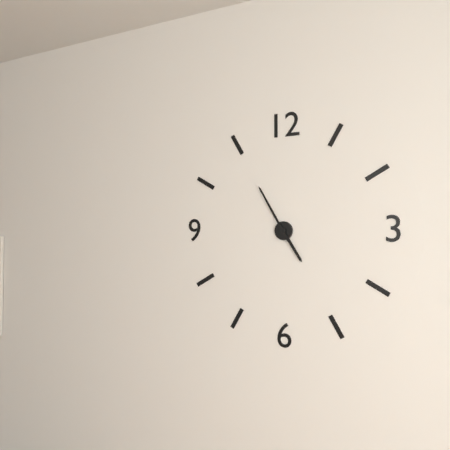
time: 4:55
